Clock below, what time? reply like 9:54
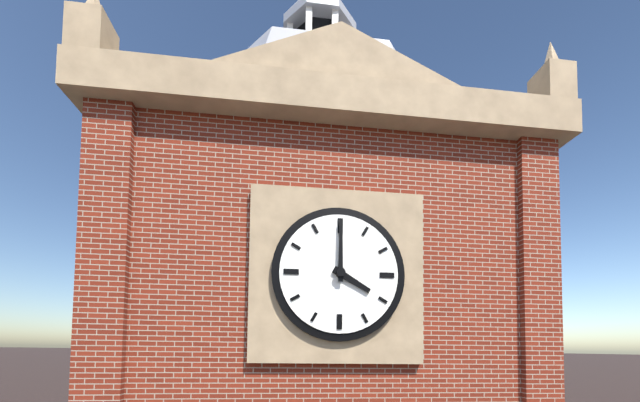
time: 4:00
